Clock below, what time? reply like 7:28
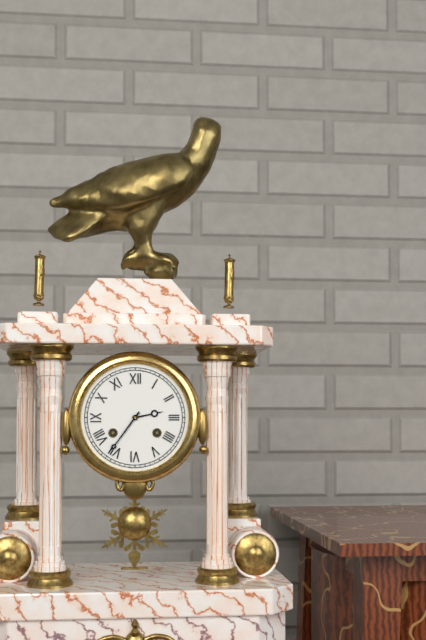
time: 2:36
